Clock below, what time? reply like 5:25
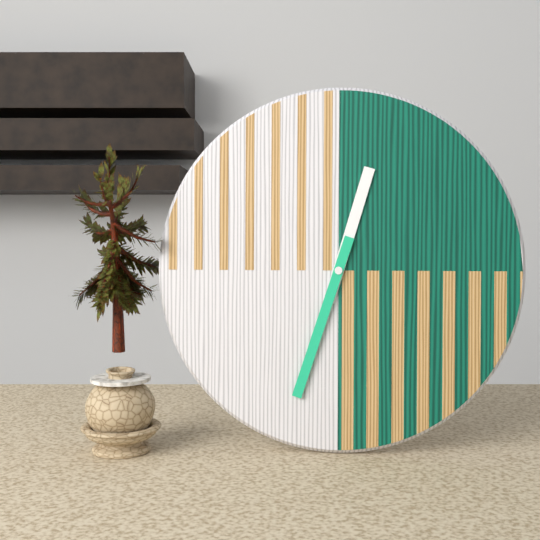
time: 12:33
